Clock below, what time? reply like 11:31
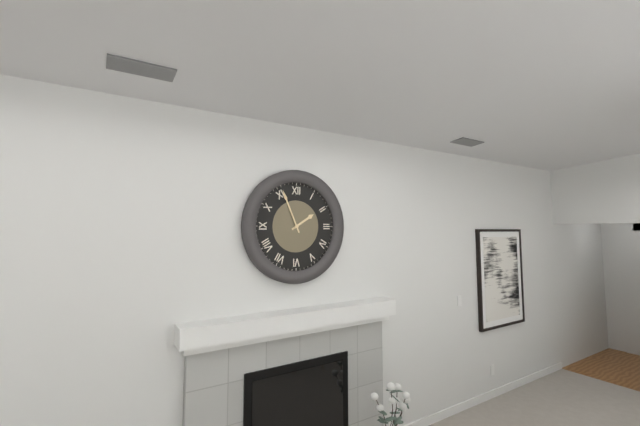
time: 1:56
